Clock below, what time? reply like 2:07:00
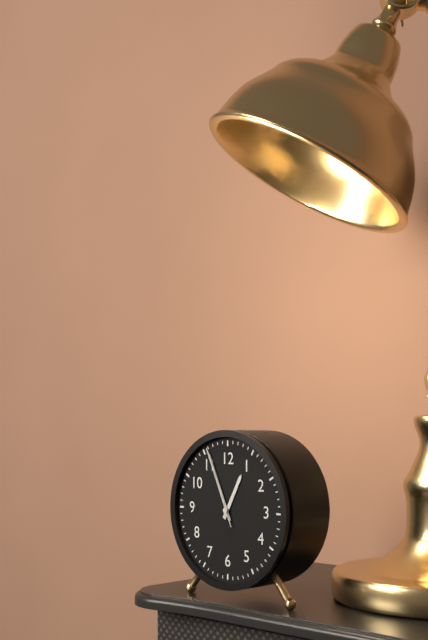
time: 12:56:56
